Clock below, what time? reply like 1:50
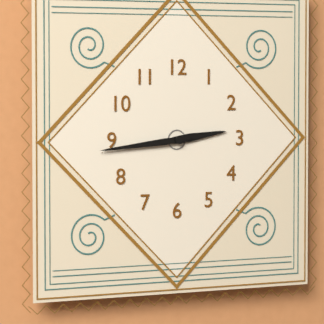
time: 2:44
